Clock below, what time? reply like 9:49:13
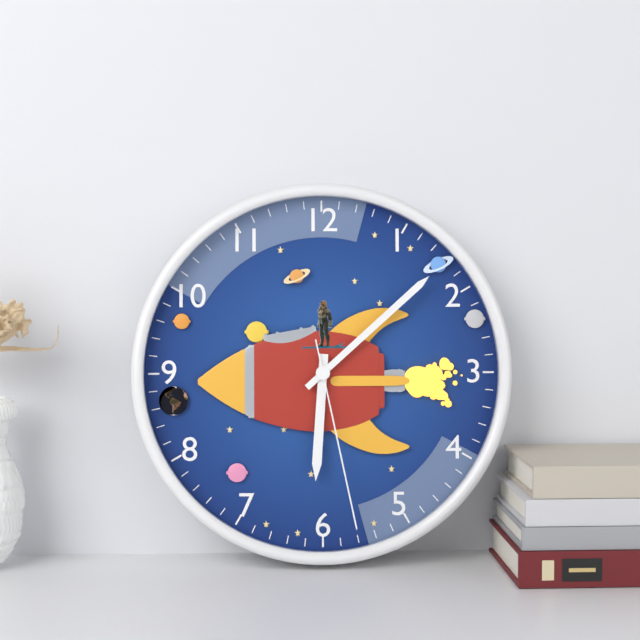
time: 6:08:28
